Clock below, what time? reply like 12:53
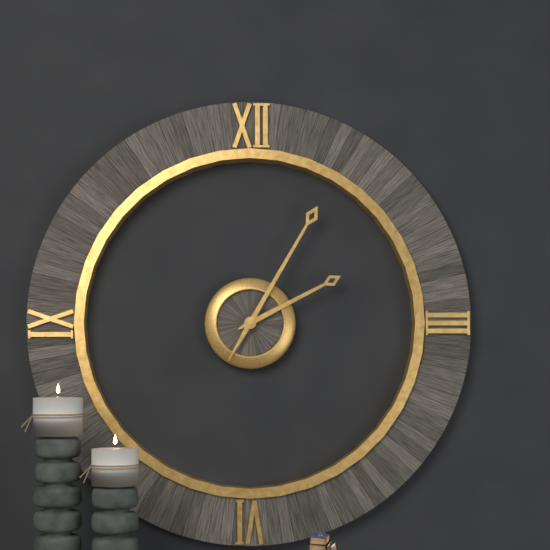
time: 2:05
